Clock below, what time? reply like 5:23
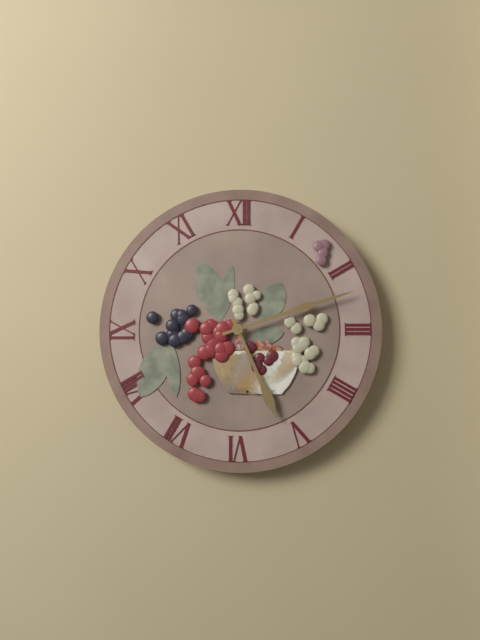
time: 5:12
